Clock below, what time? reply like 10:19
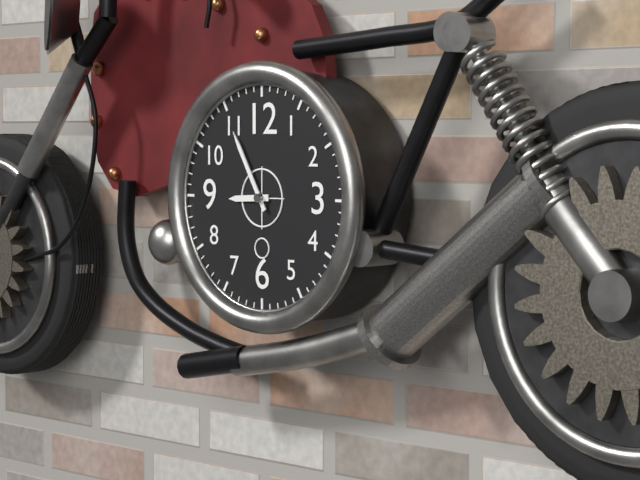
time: 8:55
